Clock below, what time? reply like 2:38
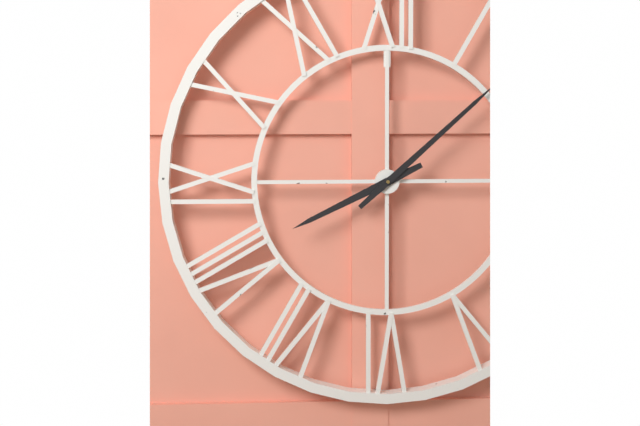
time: 8:08
